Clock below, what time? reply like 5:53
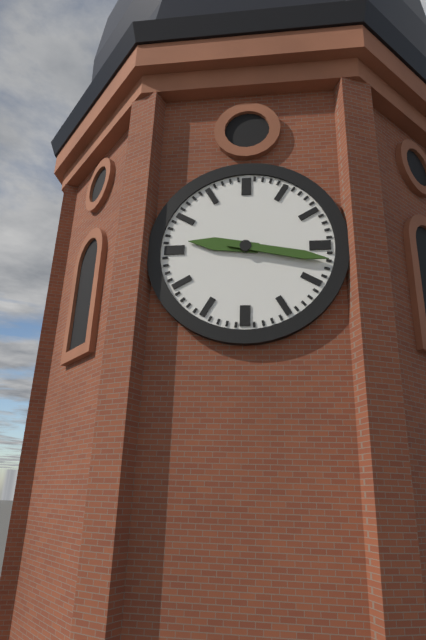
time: 9:17
